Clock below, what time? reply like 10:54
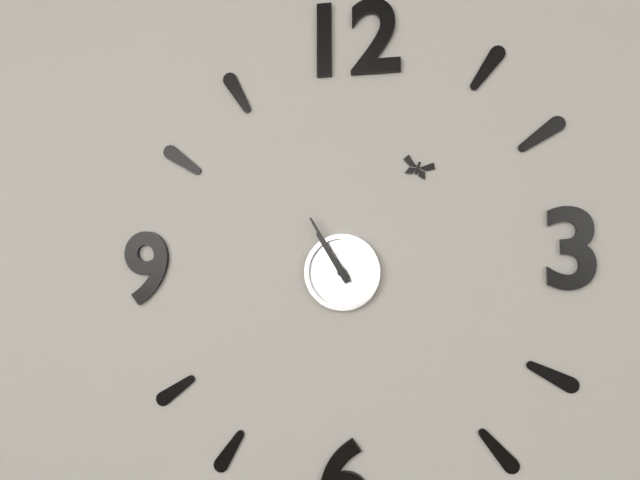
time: 10:55
